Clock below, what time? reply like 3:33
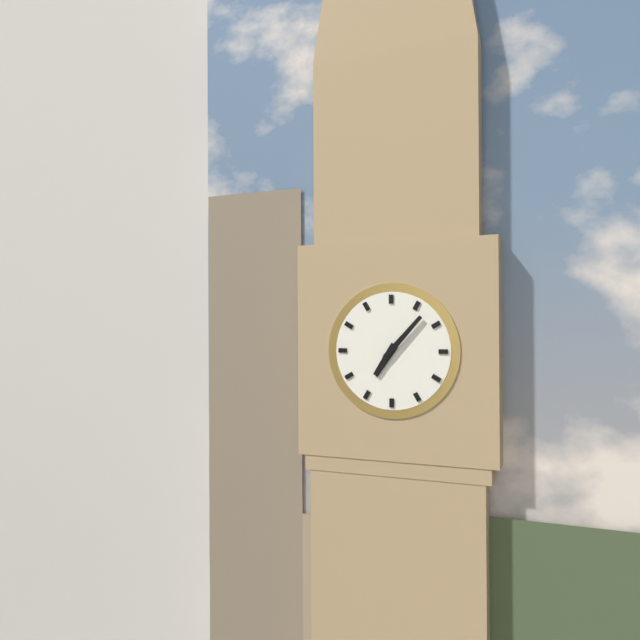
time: 7:07
